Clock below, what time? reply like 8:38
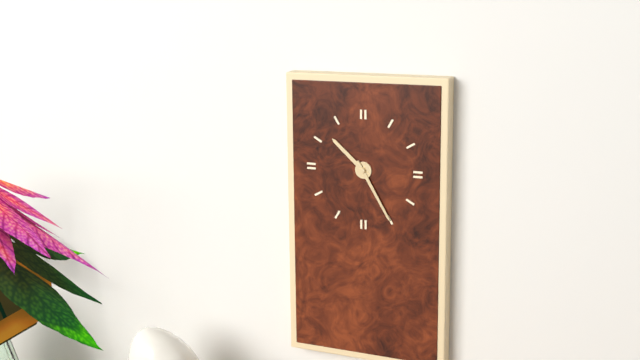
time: 10:25
